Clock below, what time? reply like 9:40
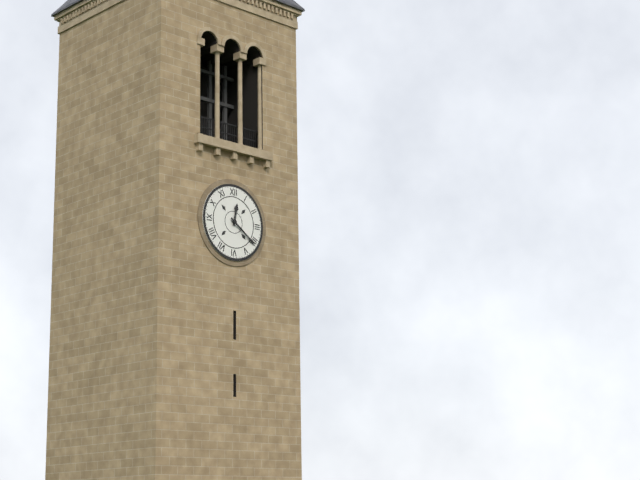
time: 12:21
